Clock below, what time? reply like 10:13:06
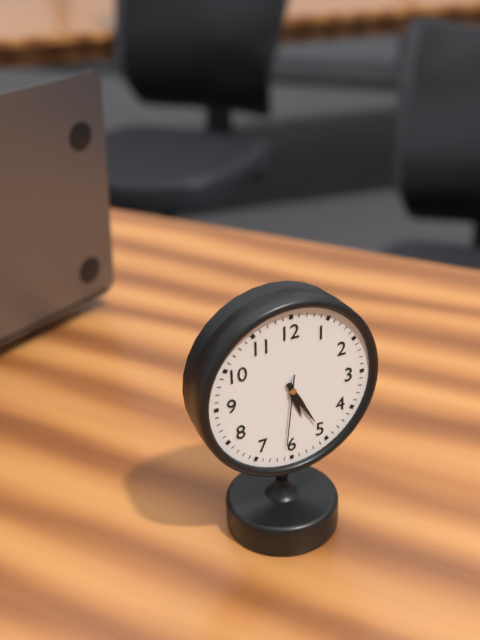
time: 5:25:31
